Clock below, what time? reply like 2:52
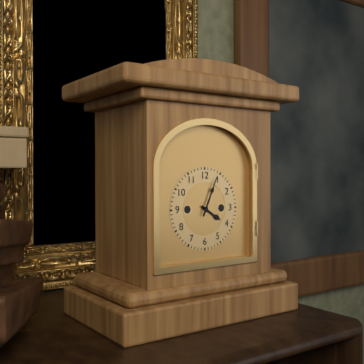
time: 4:04
